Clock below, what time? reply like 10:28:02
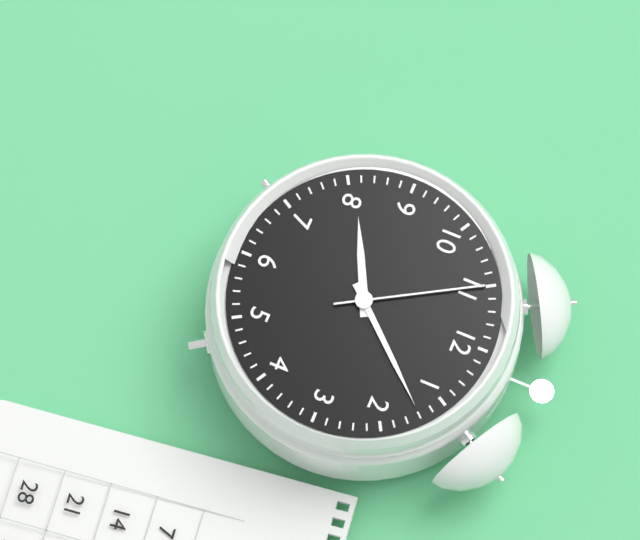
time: 8:07:55
